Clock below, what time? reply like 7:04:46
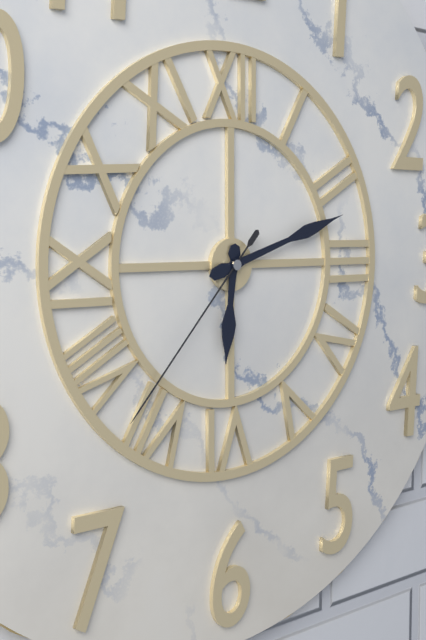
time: 6:12:37
